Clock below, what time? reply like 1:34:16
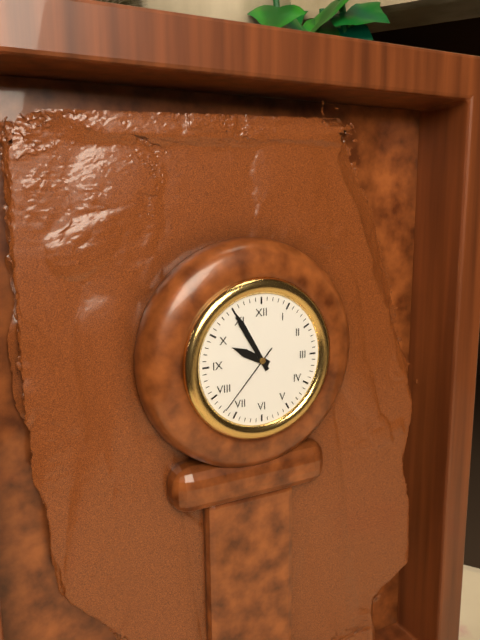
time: 9:55:37
